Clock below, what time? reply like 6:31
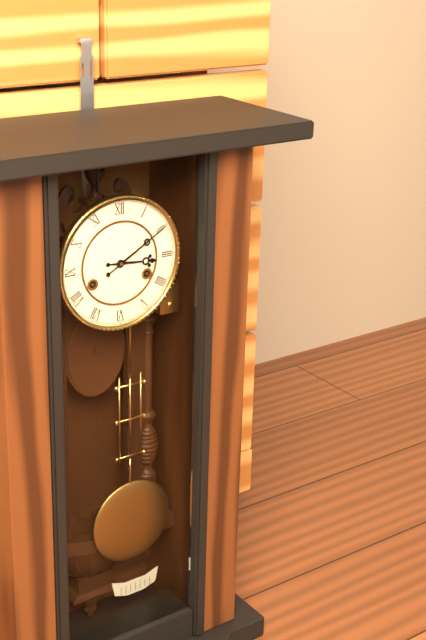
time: 3:10
